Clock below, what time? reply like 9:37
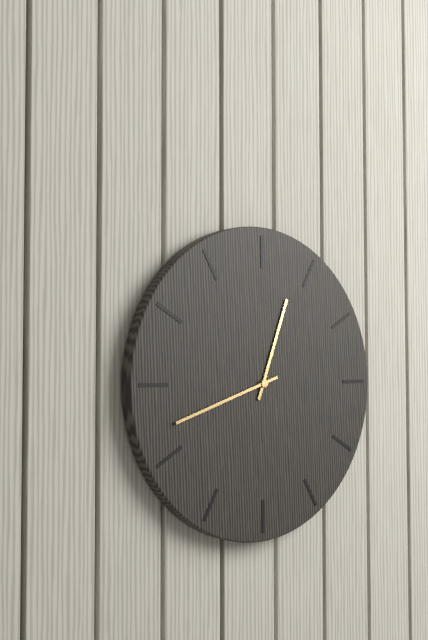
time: 12:42
